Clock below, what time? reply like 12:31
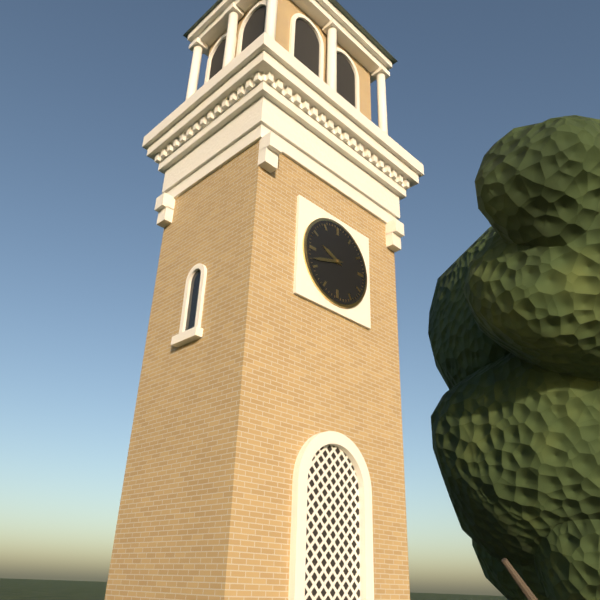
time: 9:42
